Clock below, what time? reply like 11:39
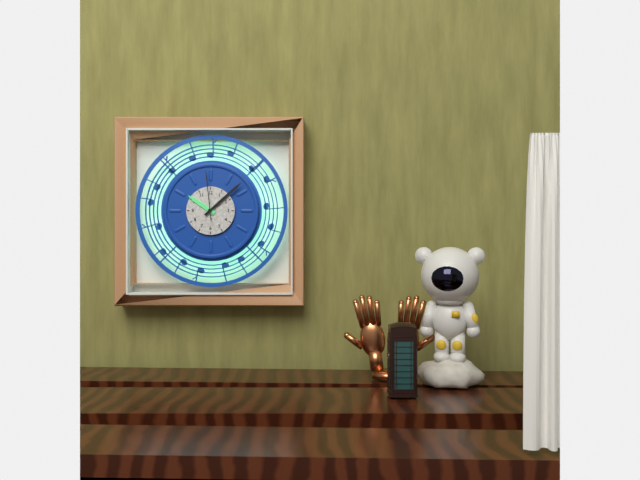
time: 10:08
